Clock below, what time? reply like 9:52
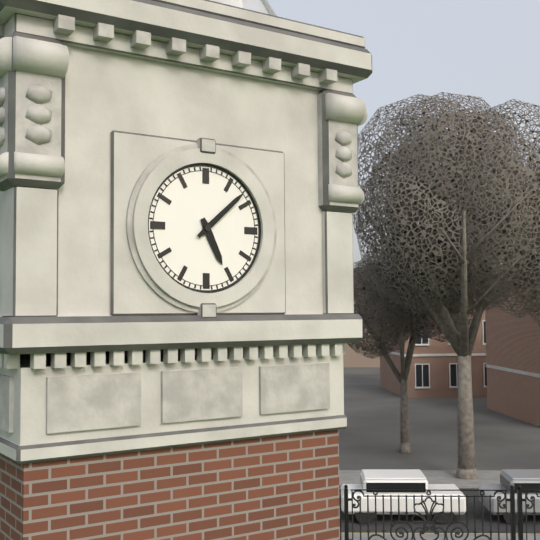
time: 5:08
